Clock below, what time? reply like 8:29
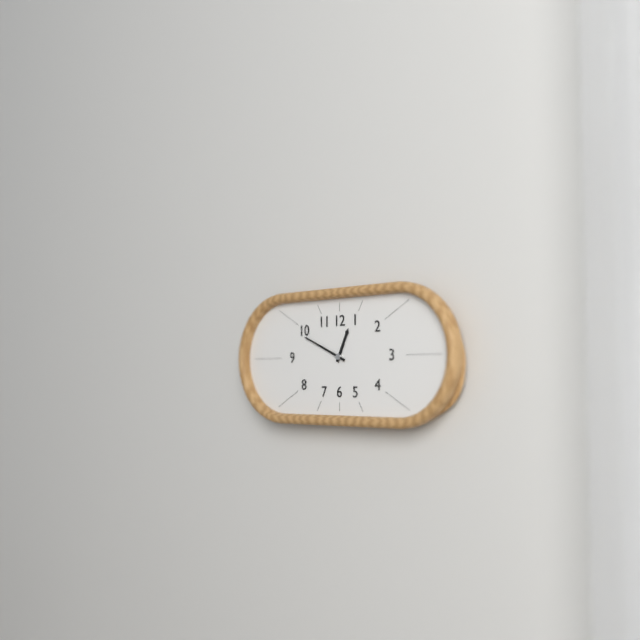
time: 12:49
